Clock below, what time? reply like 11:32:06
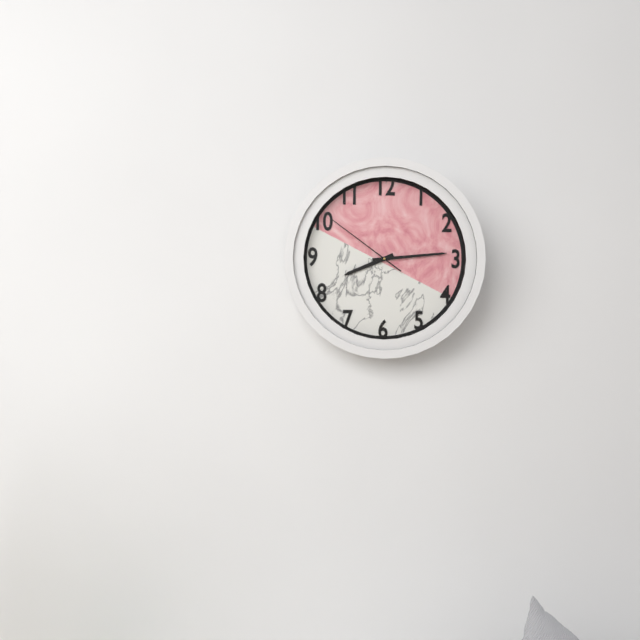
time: 8:14:51
